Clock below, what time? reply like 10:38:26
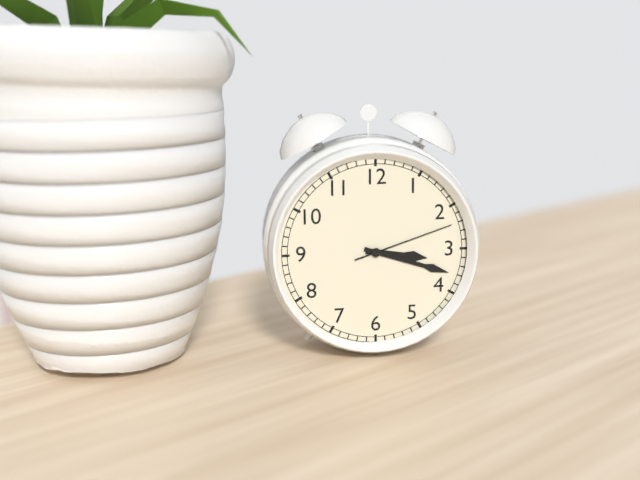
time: 3:18:12
